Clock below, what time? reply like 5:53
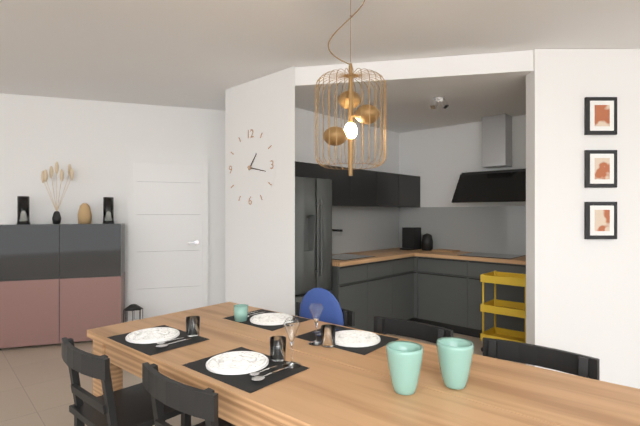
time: 1:17
